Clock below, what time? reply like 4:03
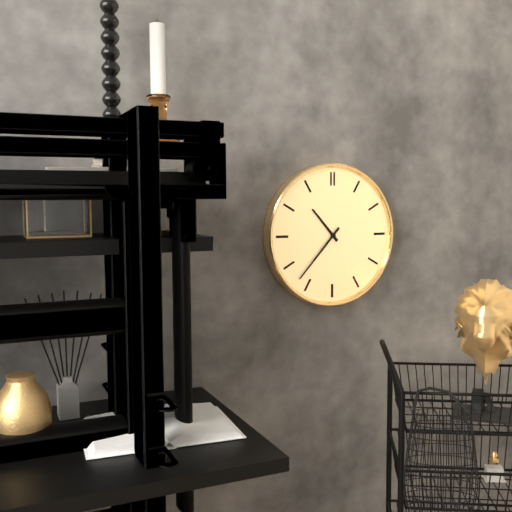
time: 10:37
